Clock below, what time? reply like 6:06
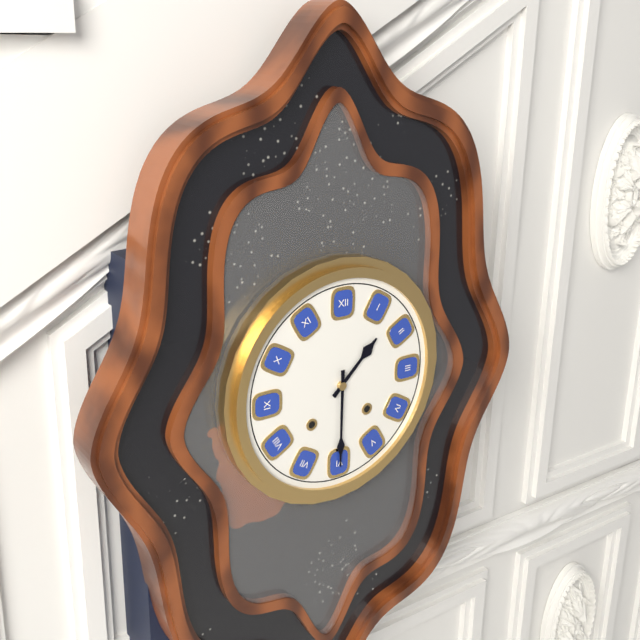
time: 1:30
